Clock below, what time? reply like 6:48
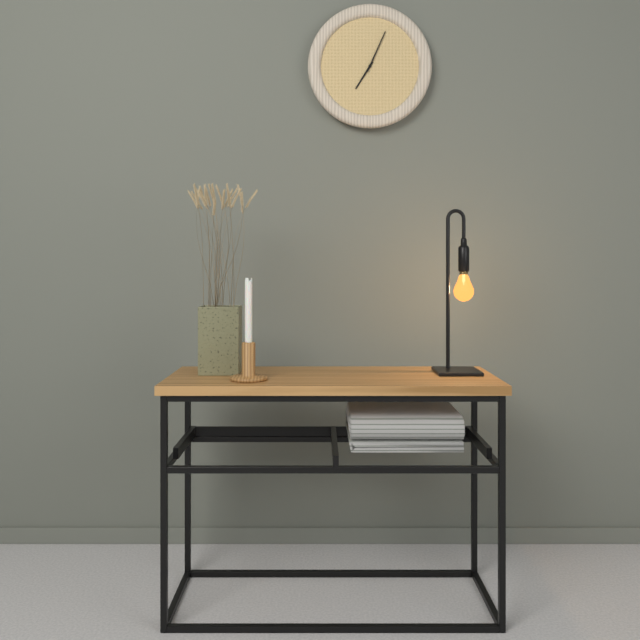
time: 7:04
